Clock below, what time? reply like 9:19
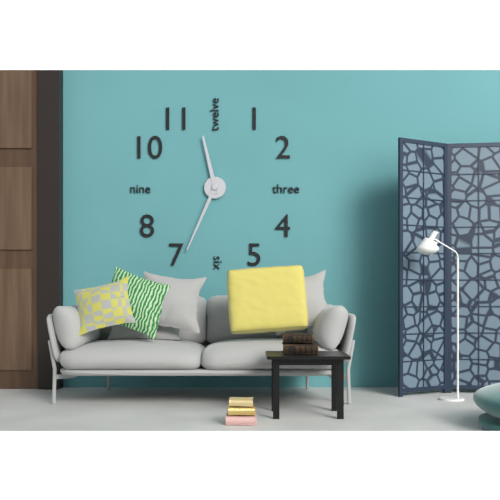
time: 11:34
